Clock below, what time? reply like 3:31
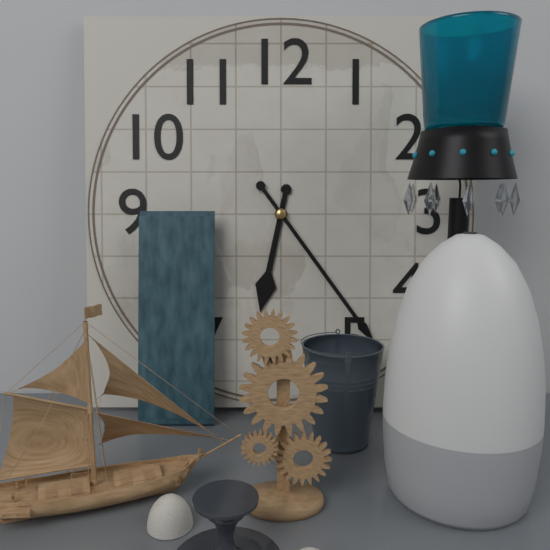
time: 6:24
